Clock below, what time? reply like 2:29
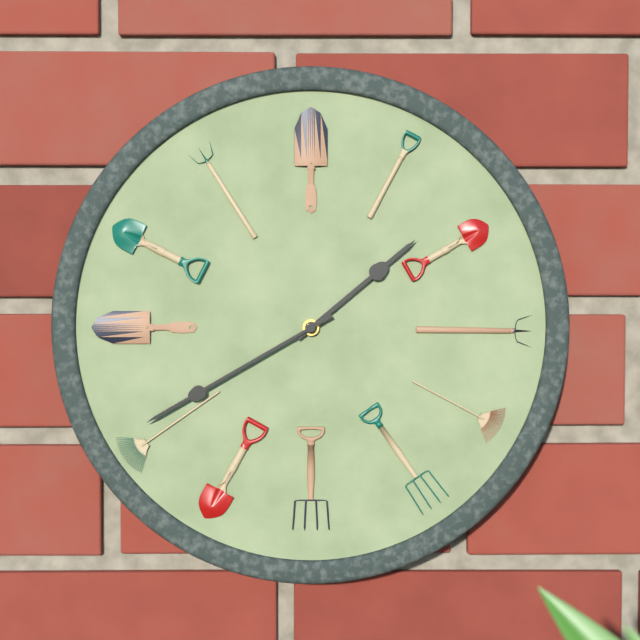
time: 1:40
